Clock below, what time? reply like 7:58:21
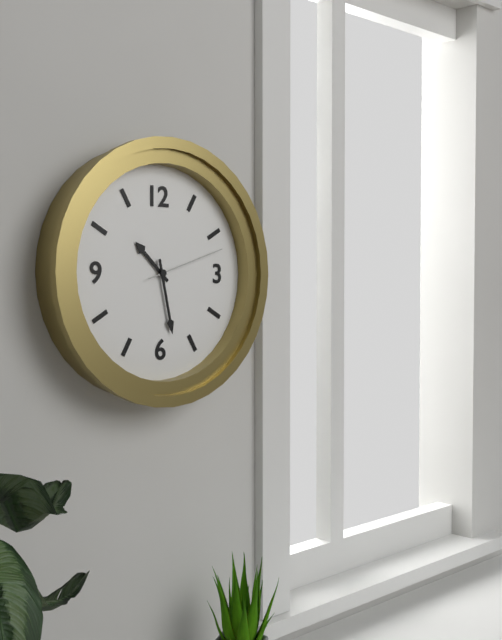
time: 10:28:12
